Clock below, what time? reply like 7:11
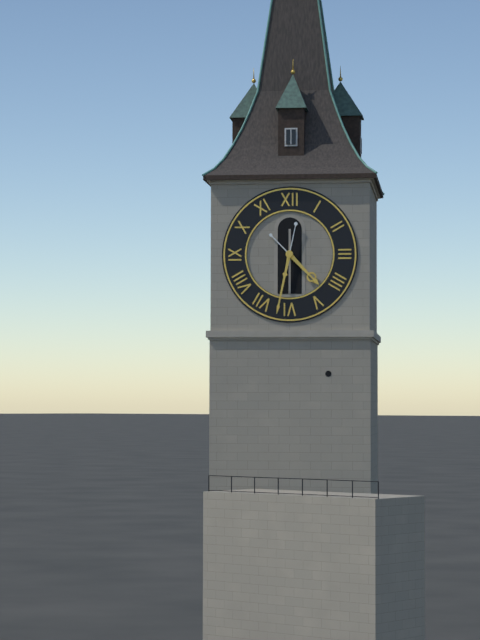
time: 4:32
